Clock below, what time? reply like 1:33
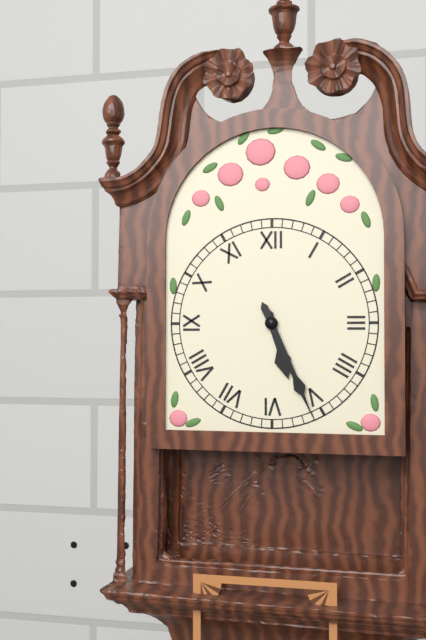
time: 5:26
